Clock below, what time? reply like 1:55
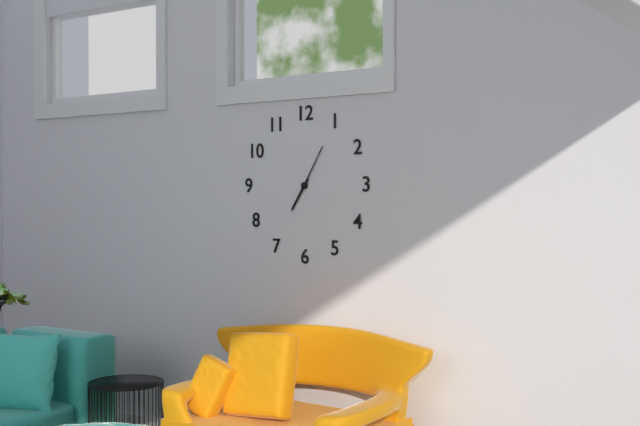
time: 7:05
